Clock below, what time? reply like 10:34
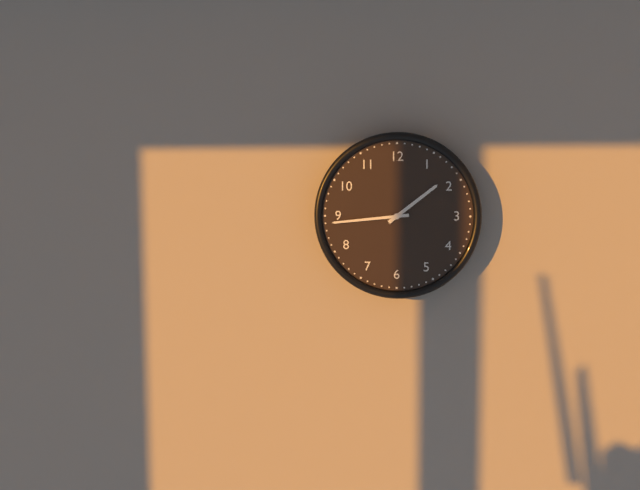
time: 1:44
